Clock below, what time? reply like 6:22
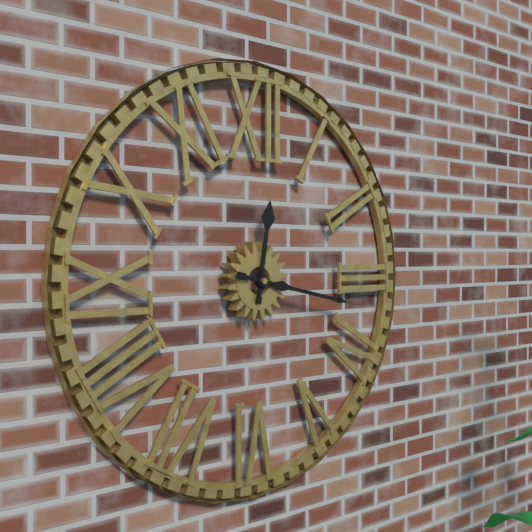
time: 12:17
